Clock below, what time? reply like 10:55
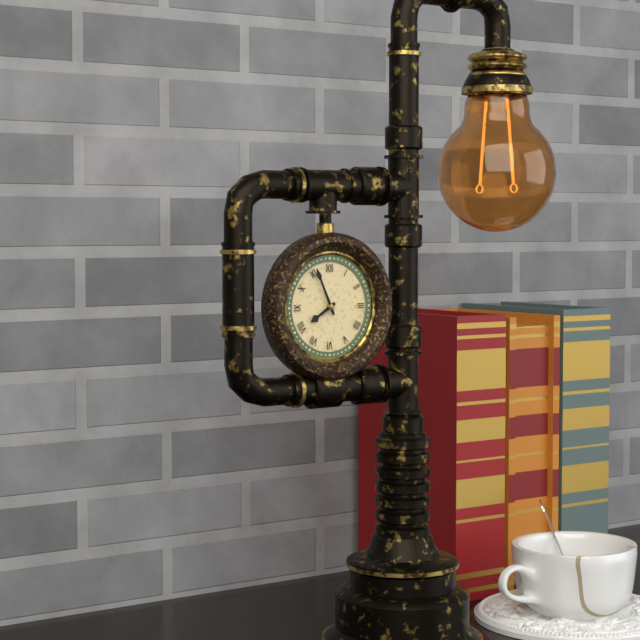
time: 7:56
